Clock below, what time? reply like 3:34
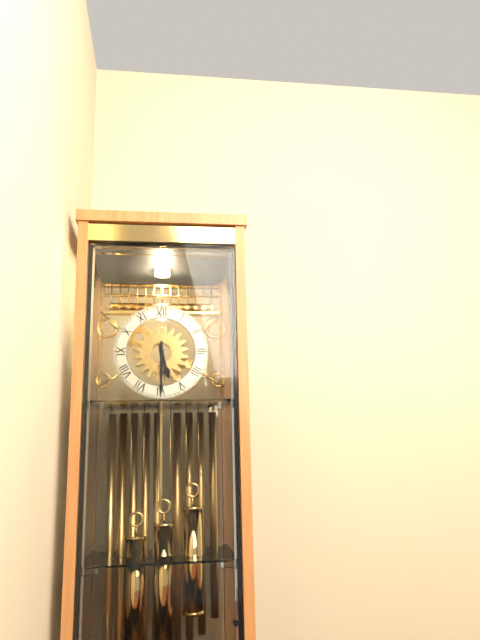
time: 5:30
